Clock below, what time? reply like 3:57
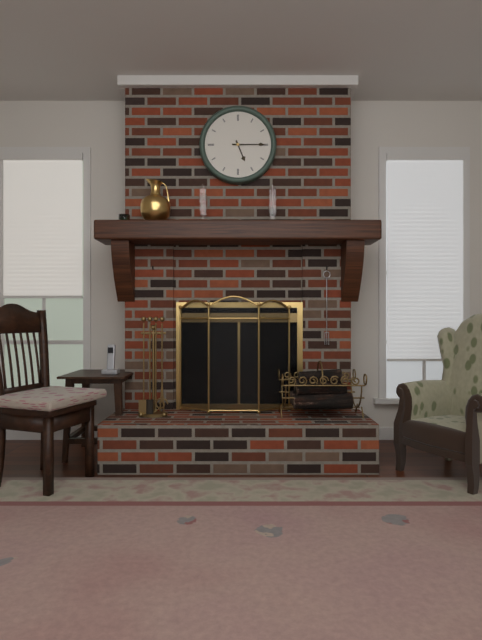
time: 5:15
